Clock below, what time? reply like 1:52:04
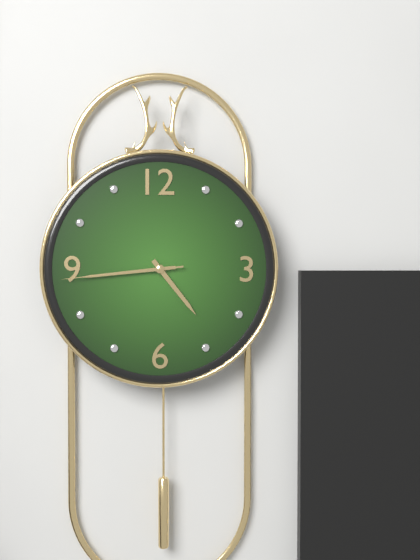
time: 4:44:44
